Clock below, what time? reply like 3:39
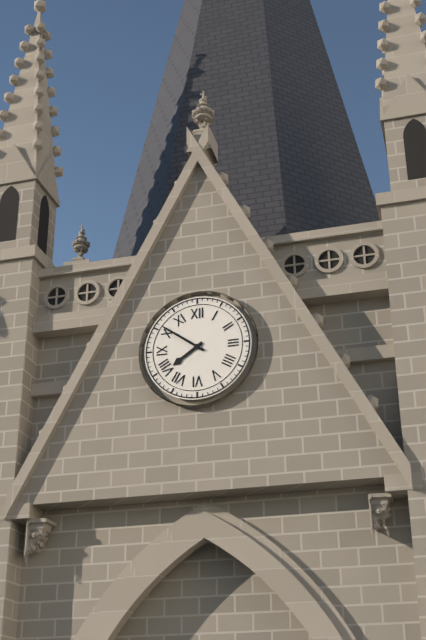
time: 7:51
